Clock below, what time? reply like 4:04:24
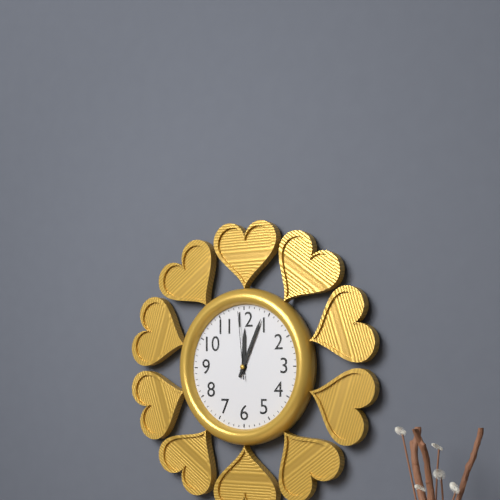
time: 12:04:59
